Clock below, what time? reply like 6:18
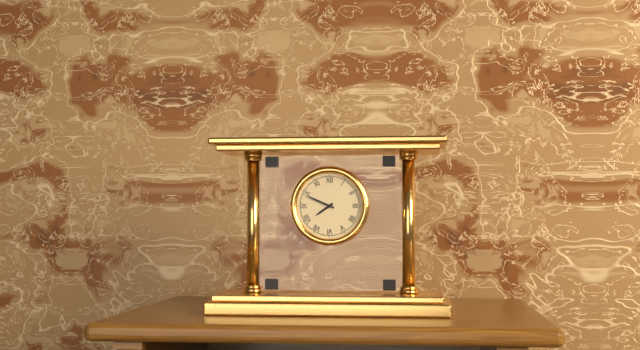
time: 7:49
